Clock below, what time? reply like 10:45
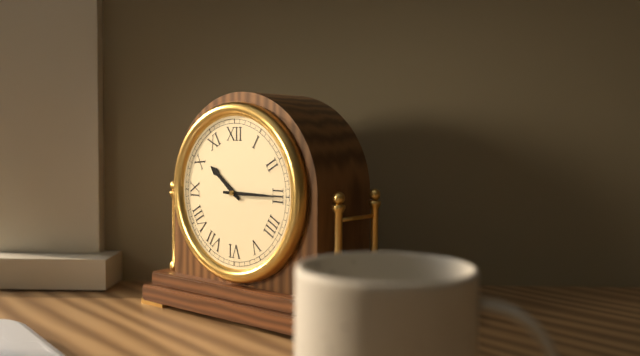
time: 10:15
